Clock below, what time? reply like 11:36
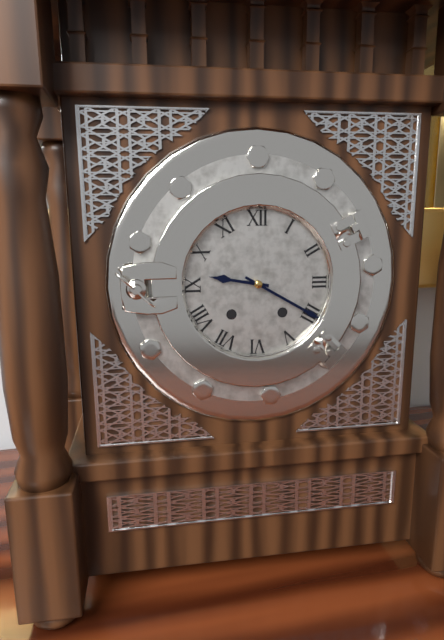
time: 9:20
